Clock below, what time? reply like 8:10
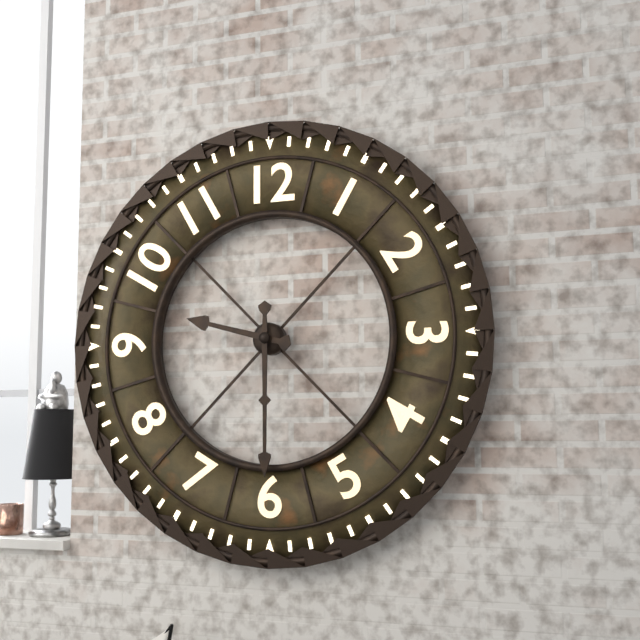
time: 9:30
